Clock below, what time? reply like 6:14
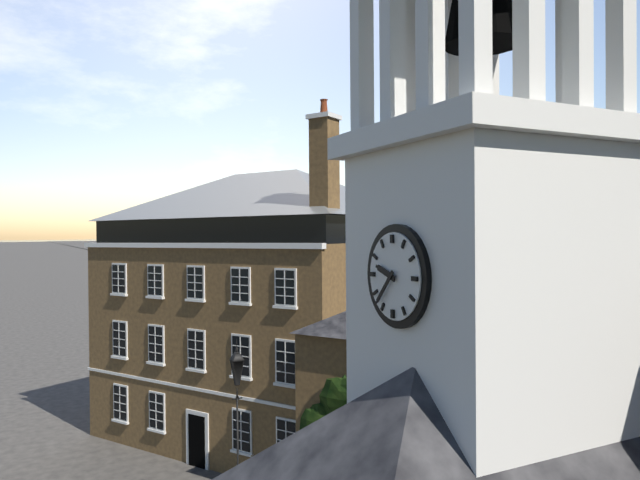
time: 9:37
